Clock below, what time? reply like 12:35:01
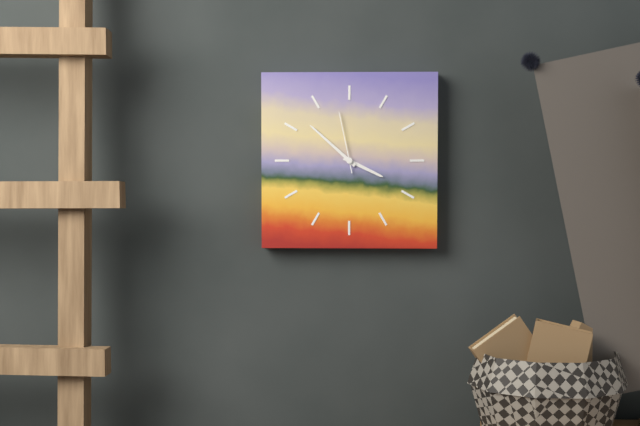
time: 3:52:58
